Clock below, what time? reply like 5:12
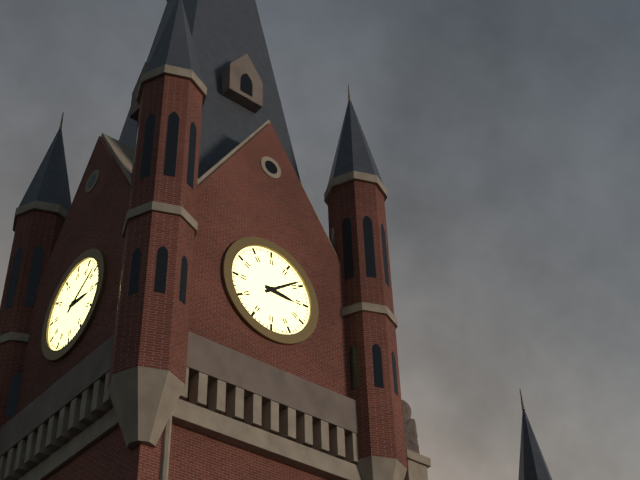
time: 3:09
